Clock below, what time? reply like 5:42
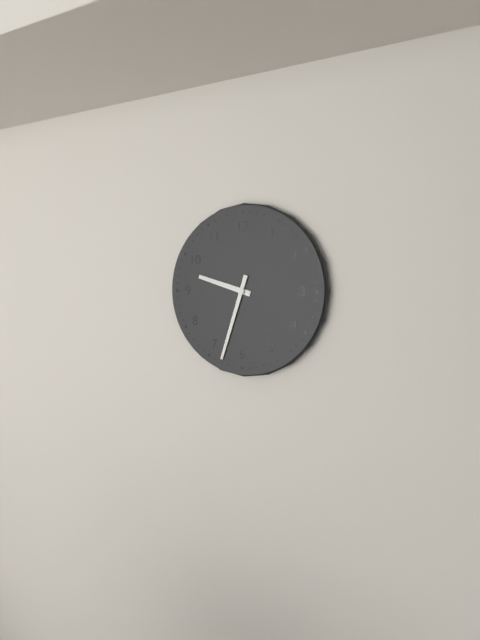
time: 9:33
